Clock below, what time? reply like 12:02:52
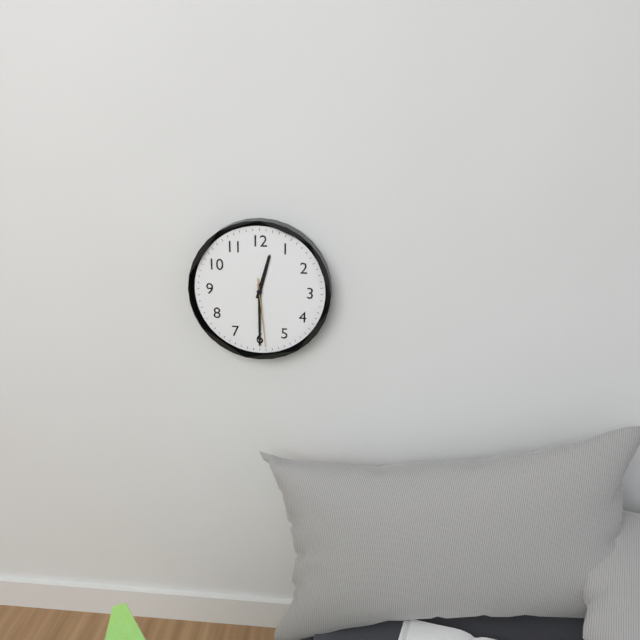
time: 12:30:29
